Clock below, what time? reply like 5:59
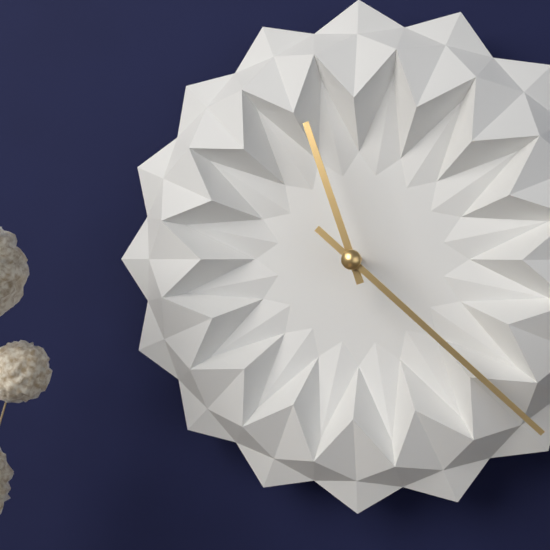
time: 11:22
